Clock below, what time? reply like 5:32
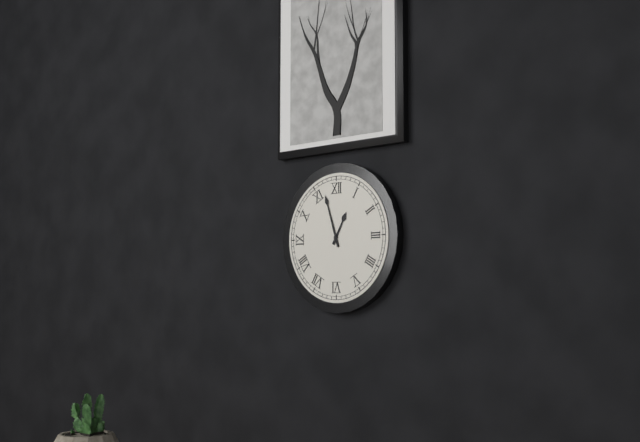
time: 12:57
